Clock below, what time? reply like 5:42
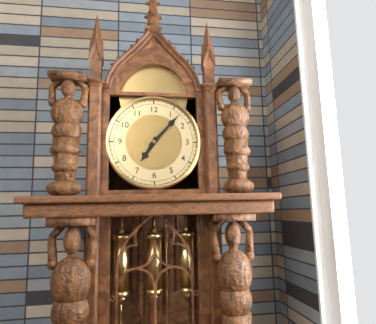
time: 7:07
